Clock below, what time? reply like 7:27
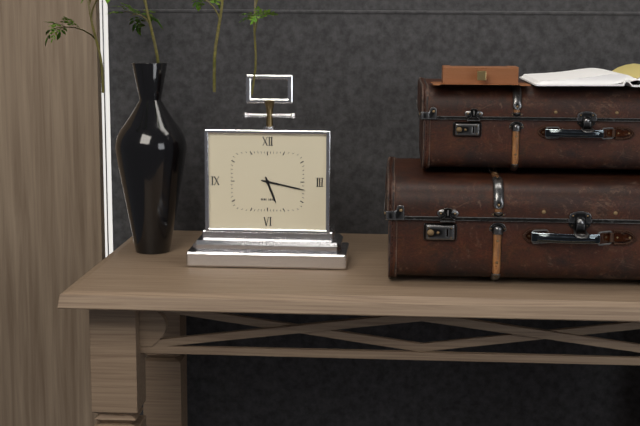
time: 5:17
